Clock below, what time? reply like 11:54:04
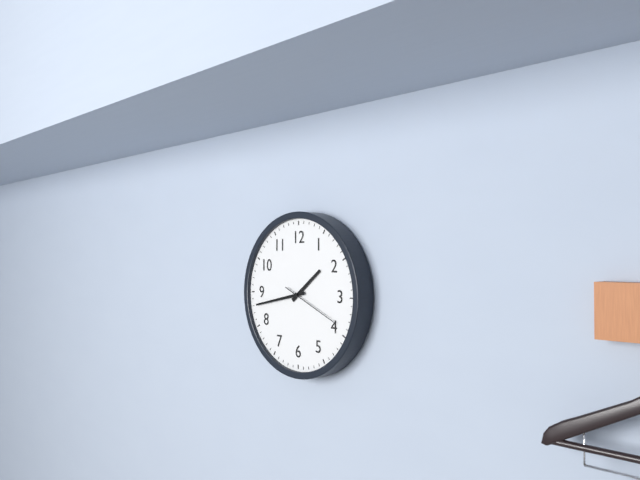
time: 1:43:19
